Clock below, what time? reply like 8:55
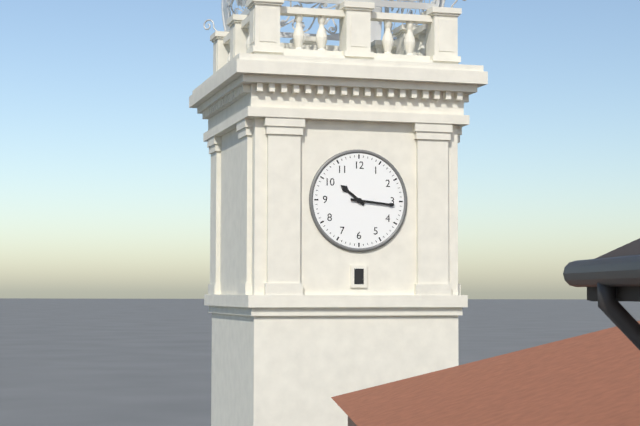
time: 10:16
